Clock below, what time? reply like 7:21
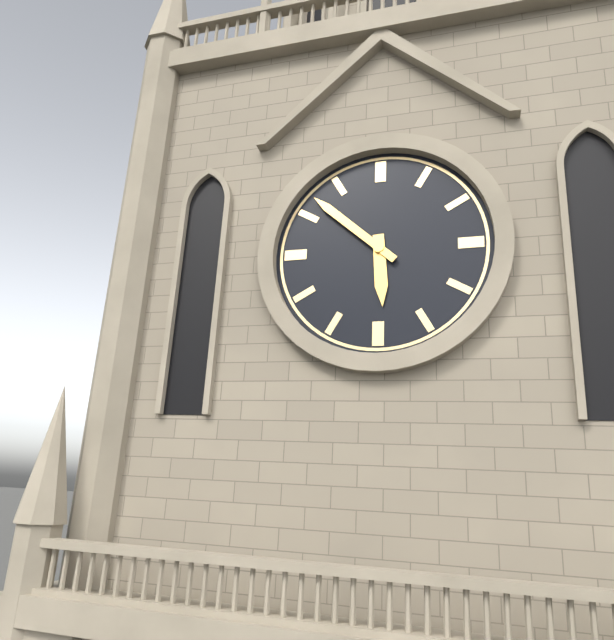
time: 5:52
